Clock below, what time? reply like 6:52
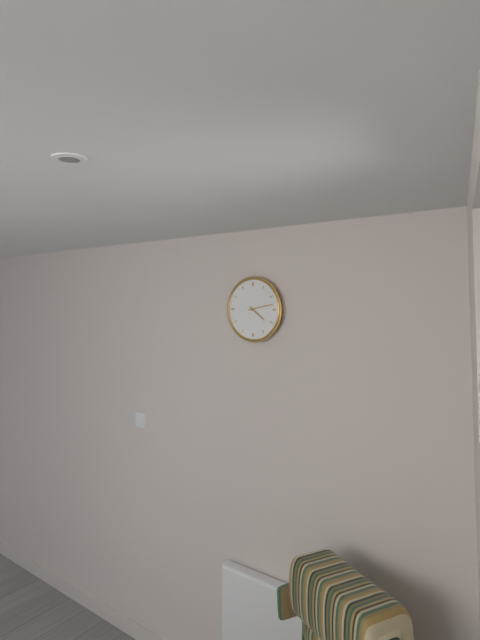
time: 4:13
